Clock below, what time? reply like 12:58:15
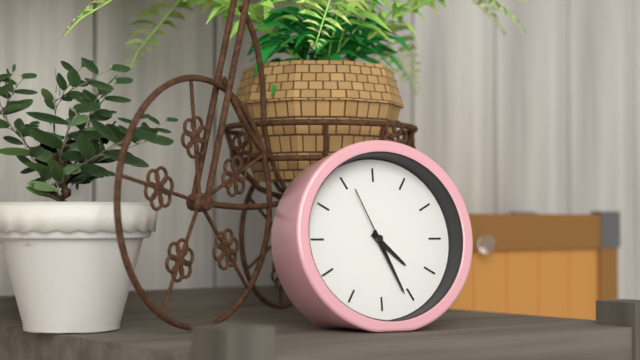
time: 4:26:56
